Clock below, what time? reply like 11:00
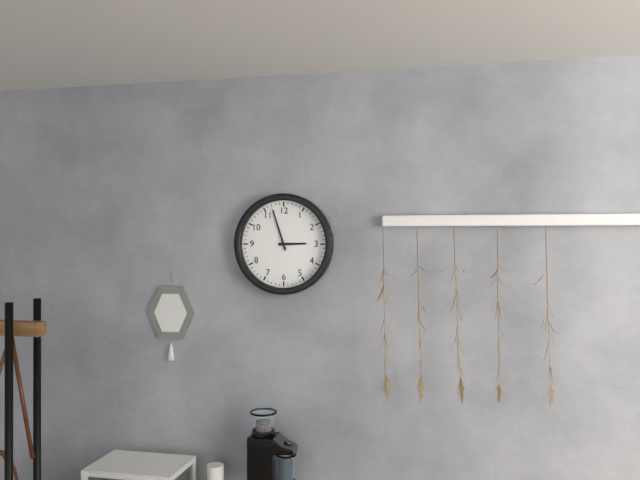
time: 2:57
